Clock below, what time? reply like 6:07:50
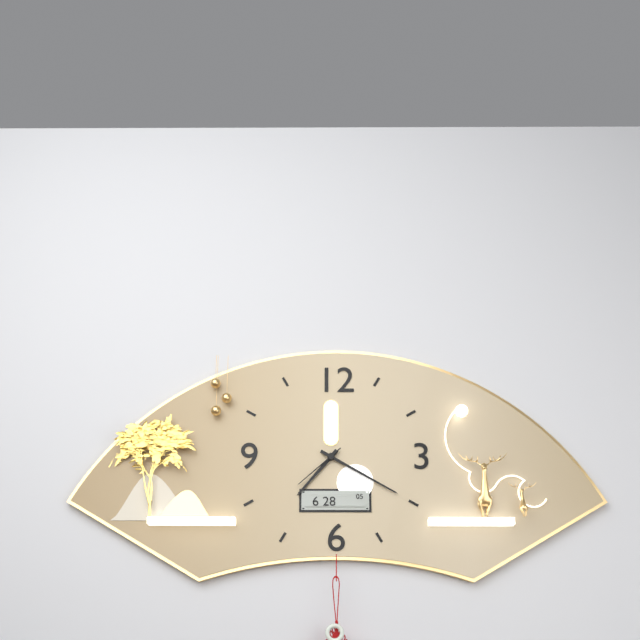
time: 7:20:38
